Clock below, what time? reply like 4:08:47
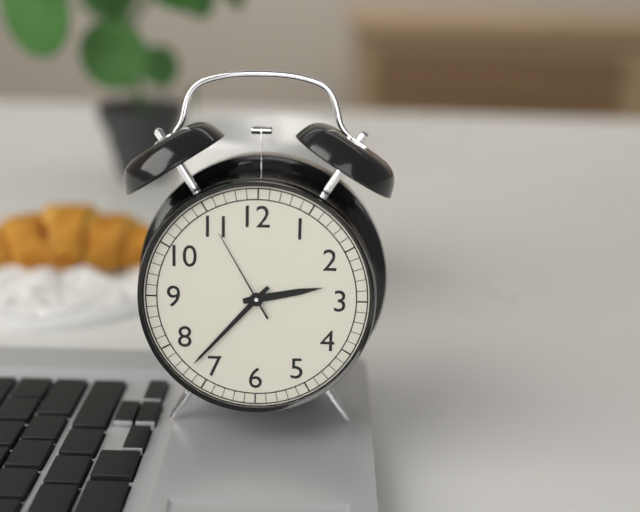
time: 2:37:55
